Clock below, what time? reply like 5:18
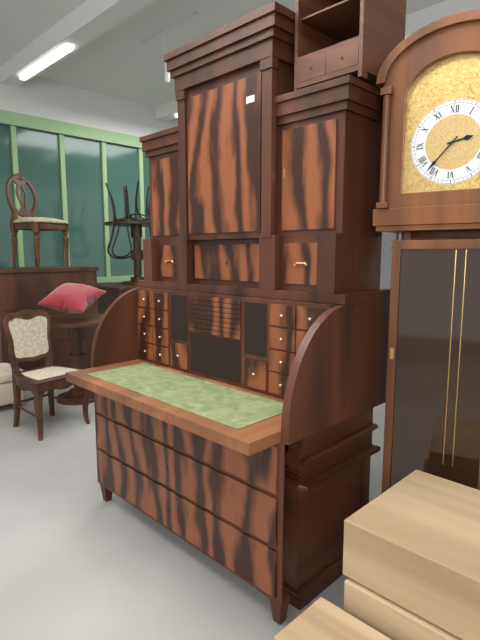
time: 2:37
